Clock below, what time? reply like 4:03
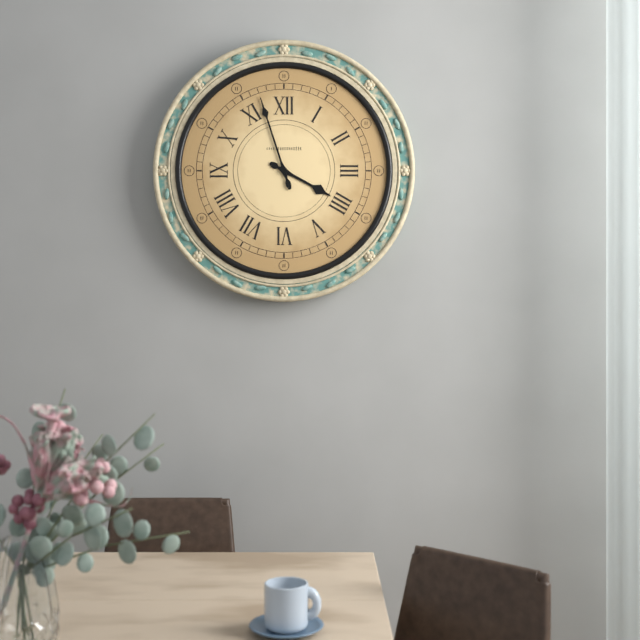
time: 3:57
